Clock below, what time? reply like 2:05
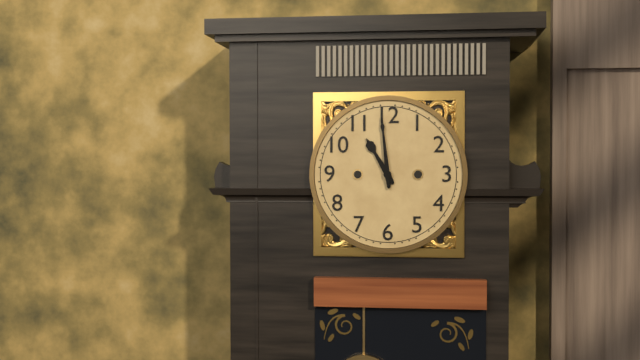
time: 10:59
